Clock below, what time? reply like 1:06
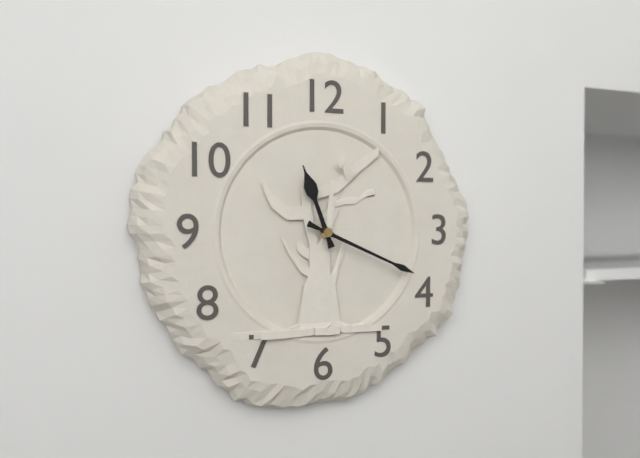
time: 11:19
